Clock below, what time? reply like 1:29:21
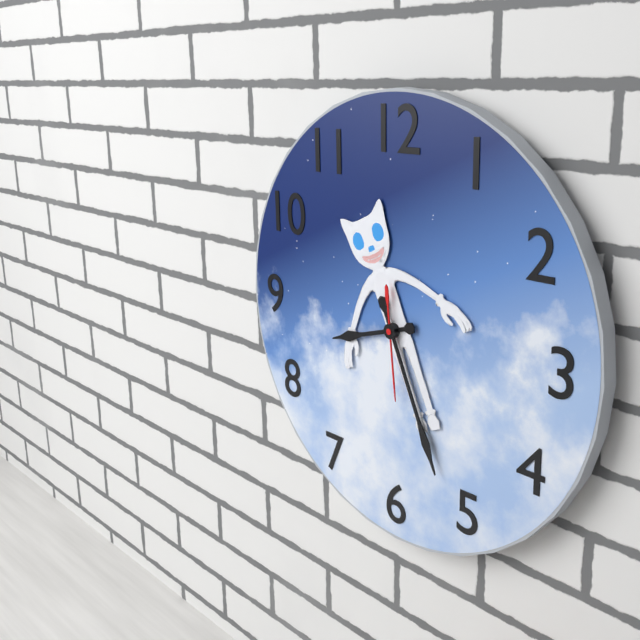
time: 8:26:29
